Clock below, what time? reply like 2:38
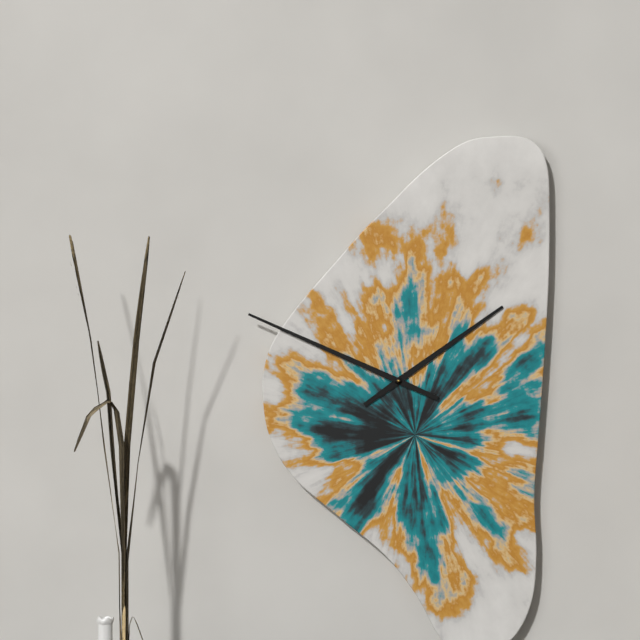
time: 1:49
